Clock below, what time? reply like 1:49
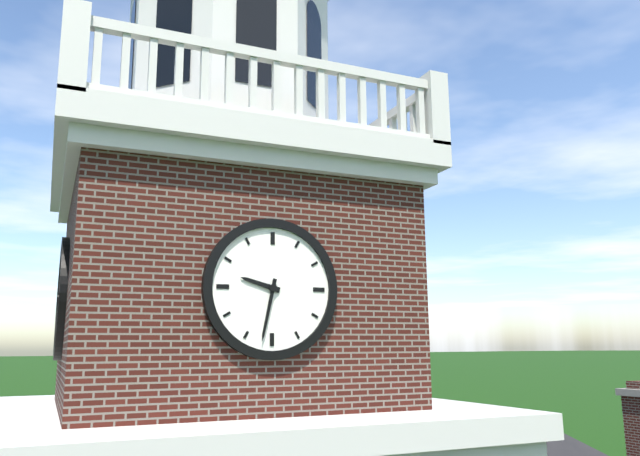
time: 9:32
